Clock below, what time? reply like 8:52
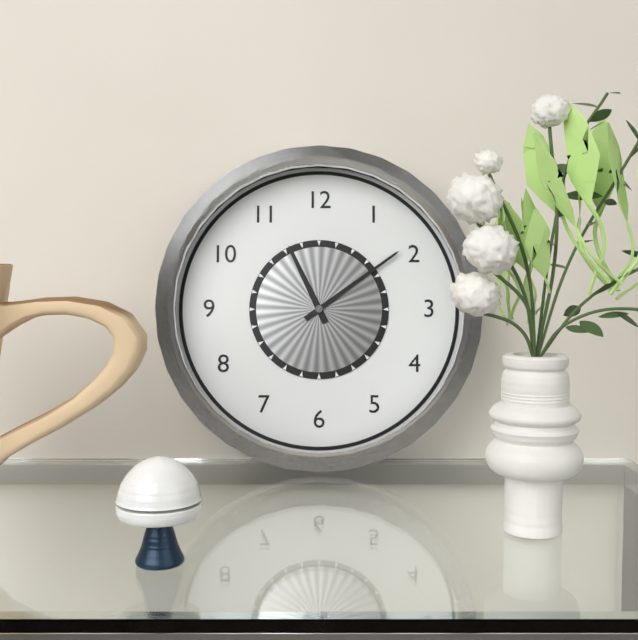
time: 11:09
